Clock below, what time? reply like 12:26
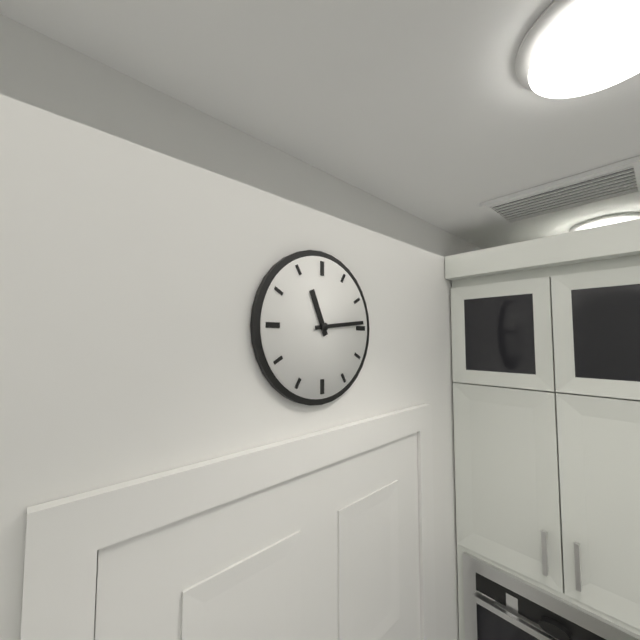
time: 11:14
